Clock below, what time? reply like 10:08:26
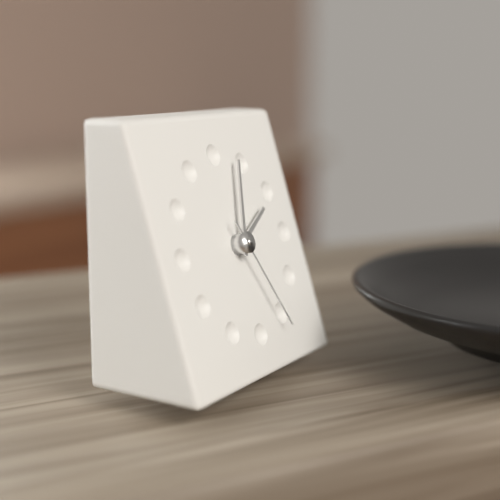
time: 2:03:26
